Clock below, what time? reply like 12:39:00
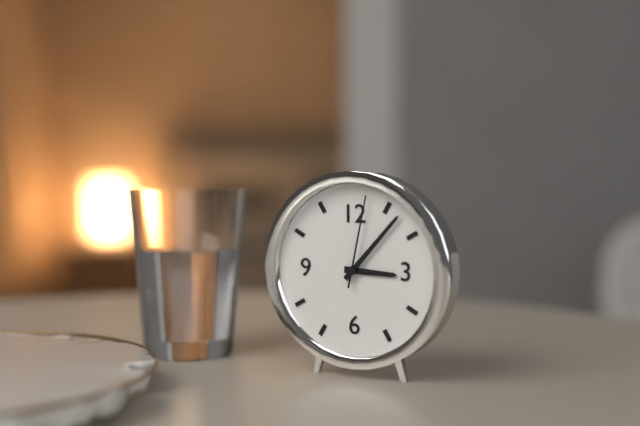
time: 3:07:02
